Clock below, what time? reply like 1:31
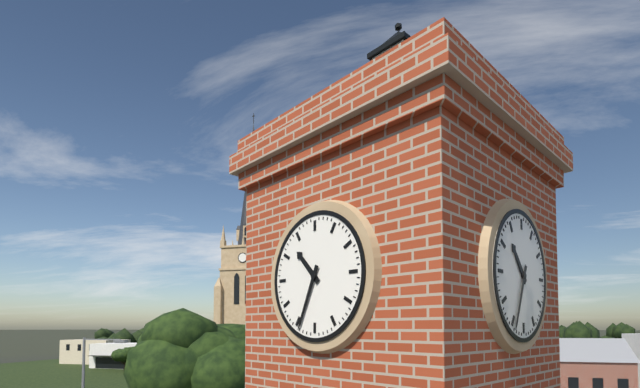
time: 10:34
